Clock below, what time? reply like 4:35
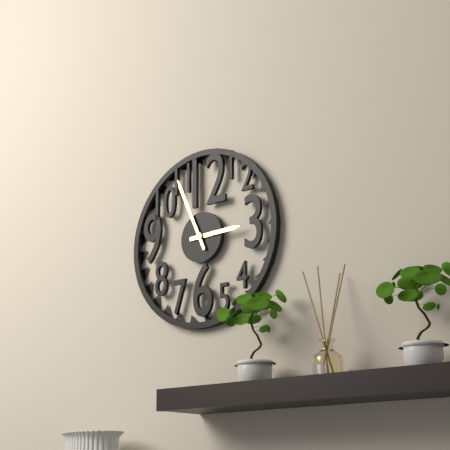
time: 2:56
